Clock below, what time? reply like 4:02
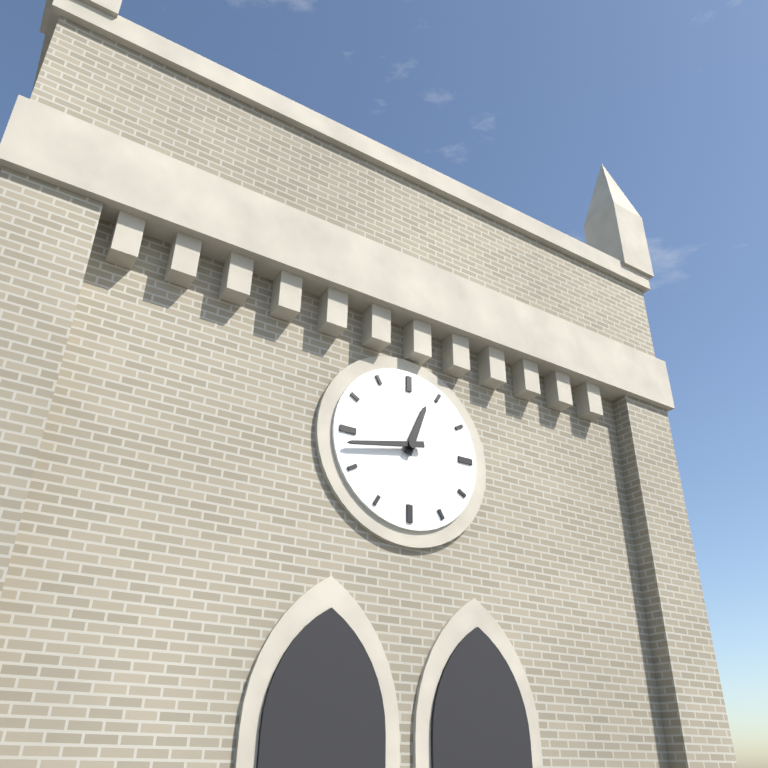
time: 12:43
